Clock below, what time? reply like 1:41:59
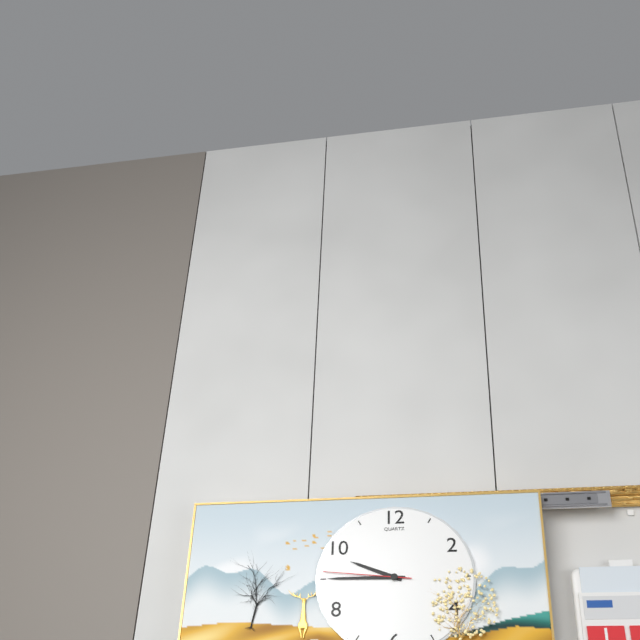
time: 9:45:46
